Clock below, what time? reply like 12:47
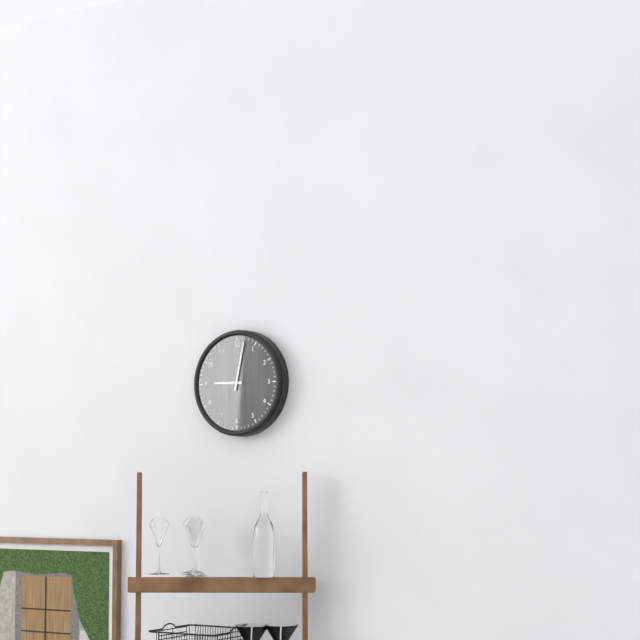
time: 9:02
